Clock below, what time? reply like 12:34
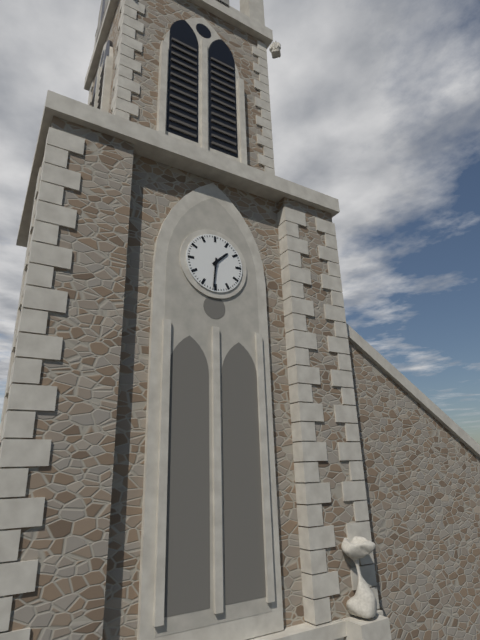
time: 1:31
